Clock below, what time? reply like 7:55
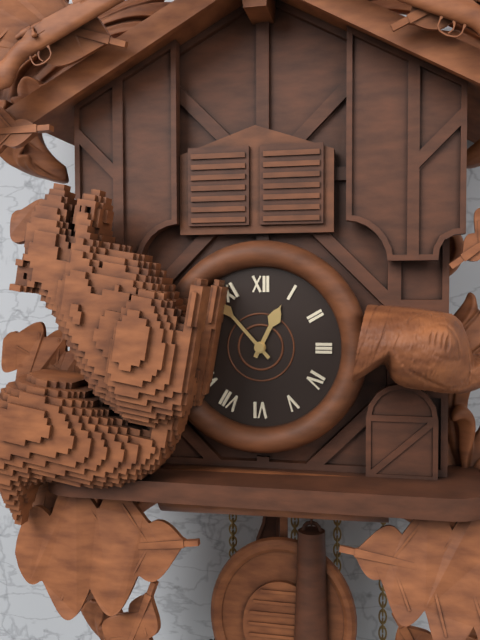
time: 12:53
